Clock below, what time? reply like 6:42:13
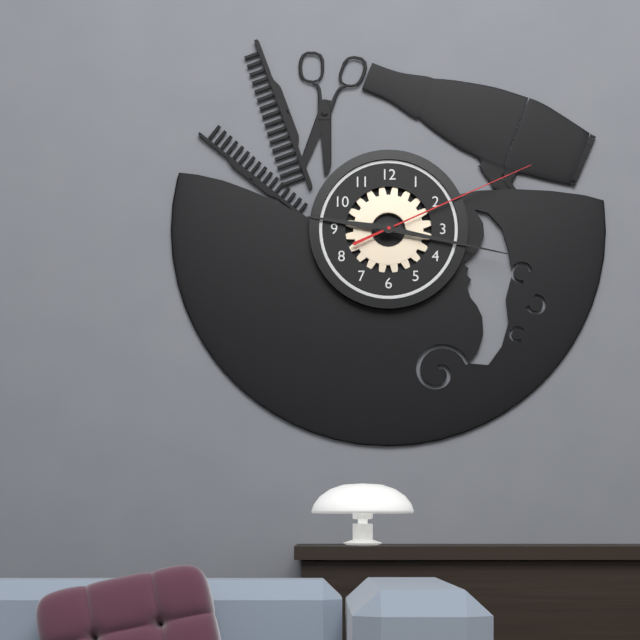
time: 9:17:11
